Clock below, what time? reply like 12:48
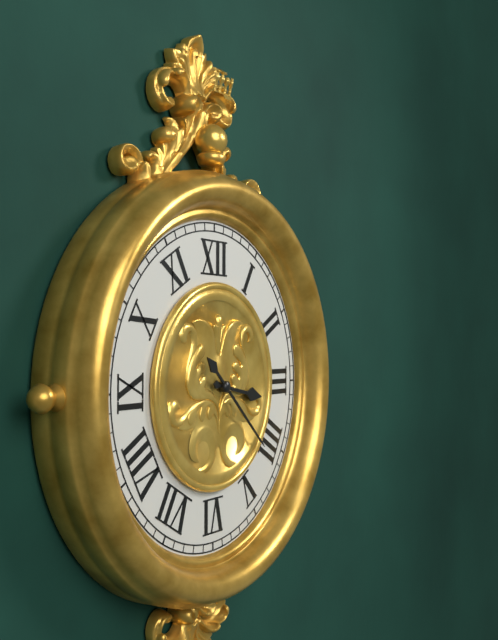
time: 3:22
